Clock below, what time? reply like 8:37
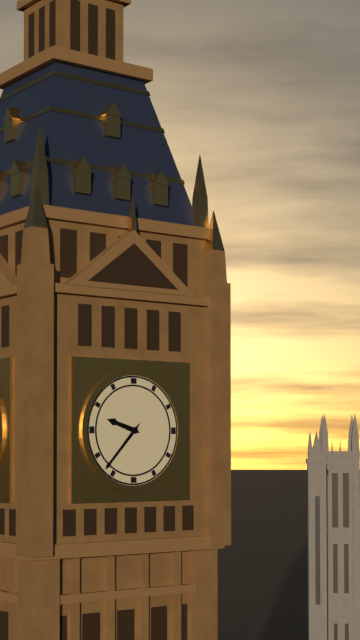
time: 9:37
